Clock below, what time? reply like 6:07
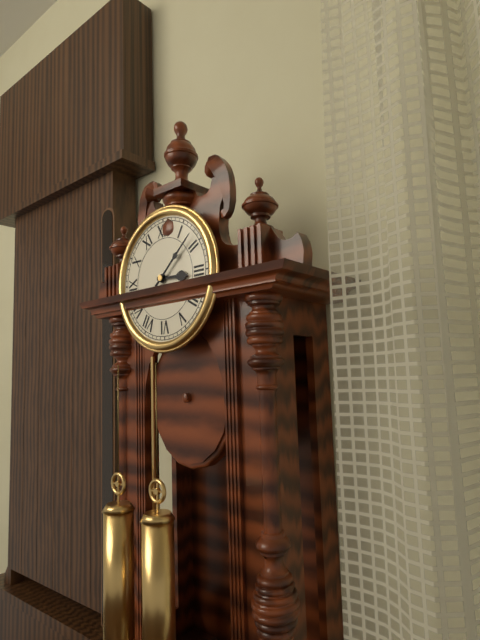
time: 3:08
